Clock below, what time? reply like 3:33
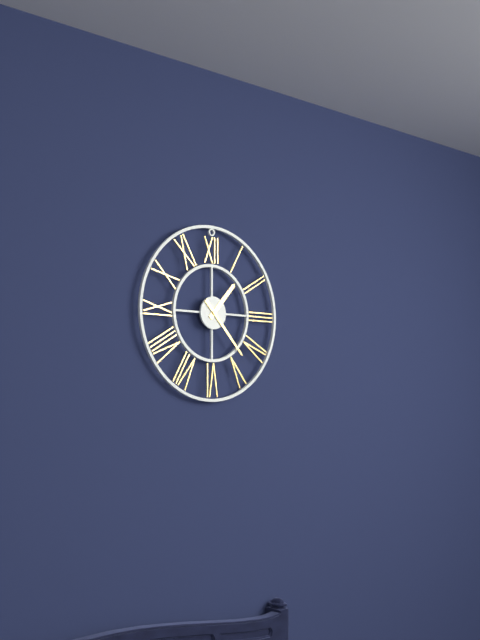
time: 1:23
